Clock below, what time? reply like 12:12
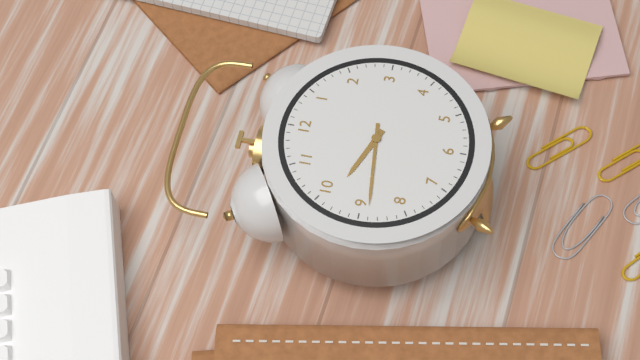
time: 9:44
